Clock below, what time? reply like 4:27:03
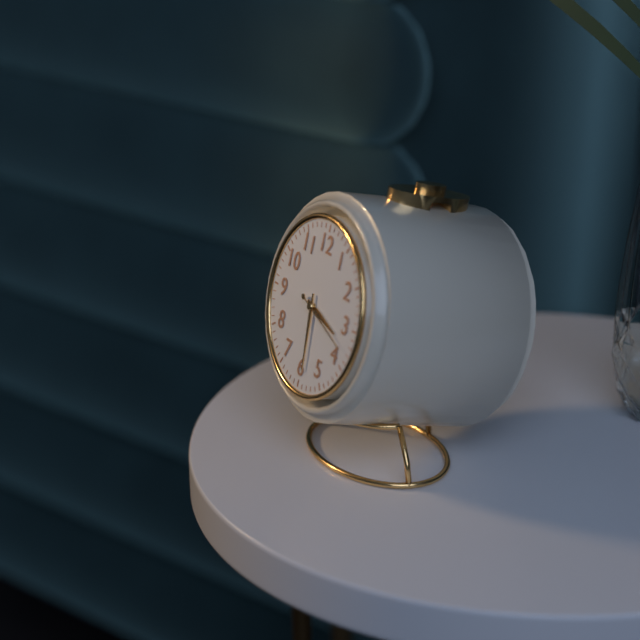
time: 3:29:18
